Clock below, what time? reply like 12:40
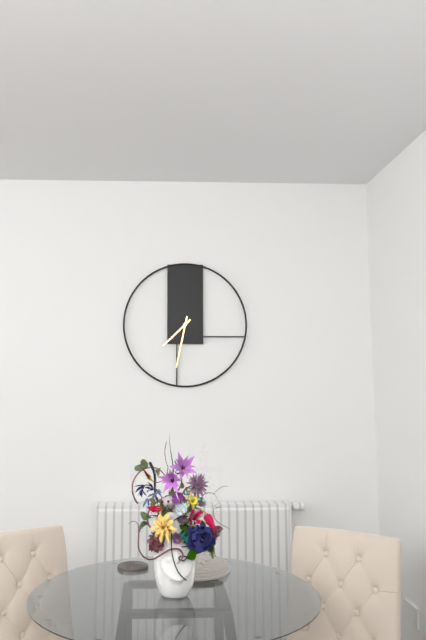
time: 7:32
